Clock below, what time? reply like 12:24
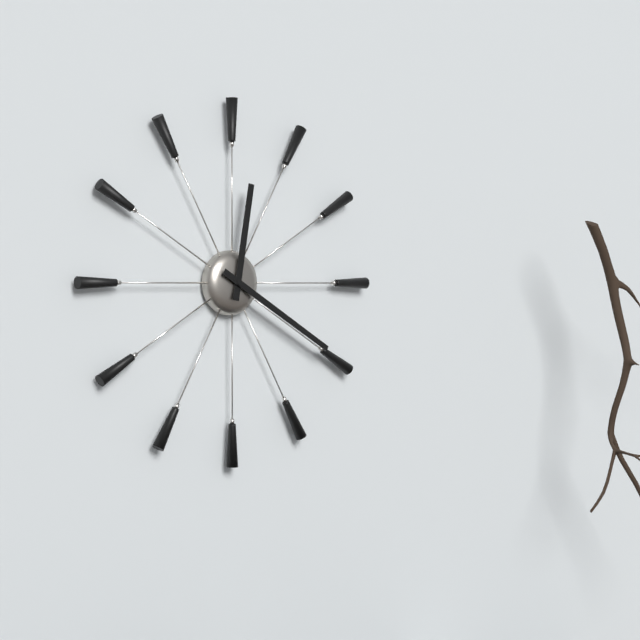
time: 12:20
